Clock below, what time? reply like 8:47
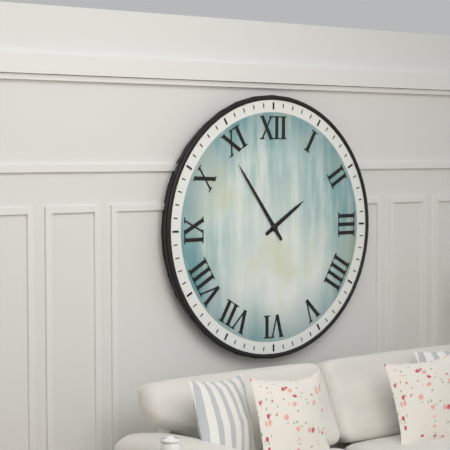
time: 1:54
